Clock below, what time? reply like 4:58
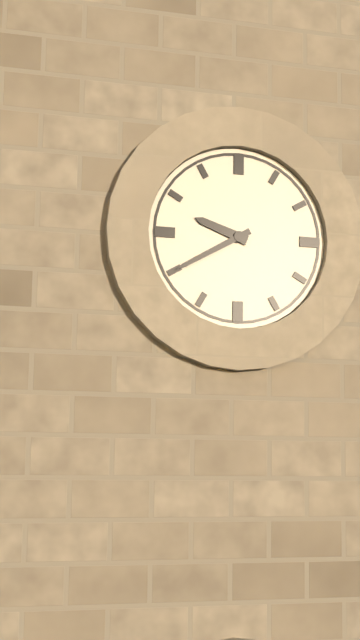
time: 9:40
